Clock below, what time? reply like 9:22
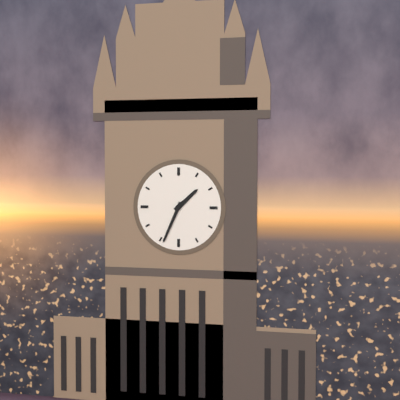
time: 1:34
